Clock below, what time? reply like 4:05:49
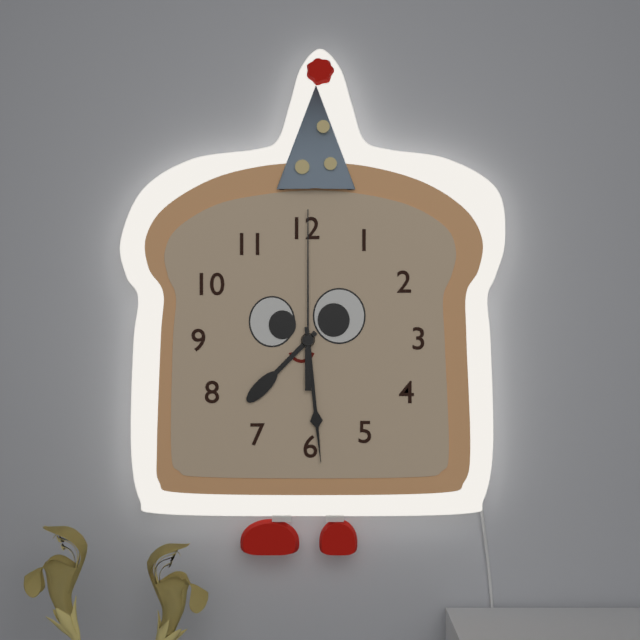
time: 7:29:00
